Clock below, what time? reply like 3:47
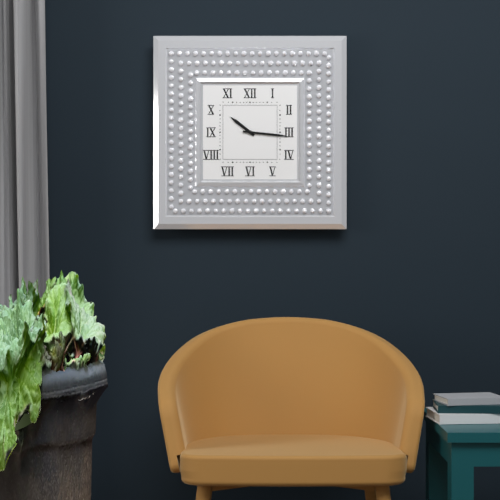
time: 10:16
